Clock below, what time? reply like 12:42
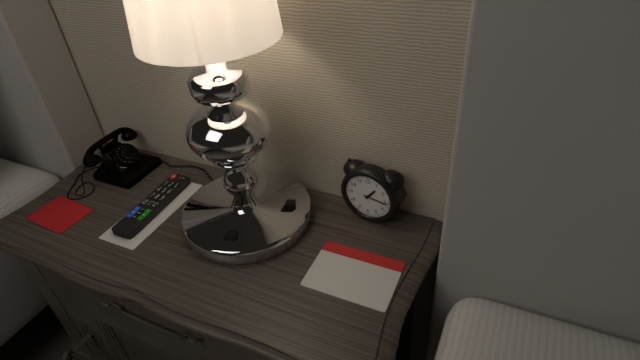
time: 1:16
